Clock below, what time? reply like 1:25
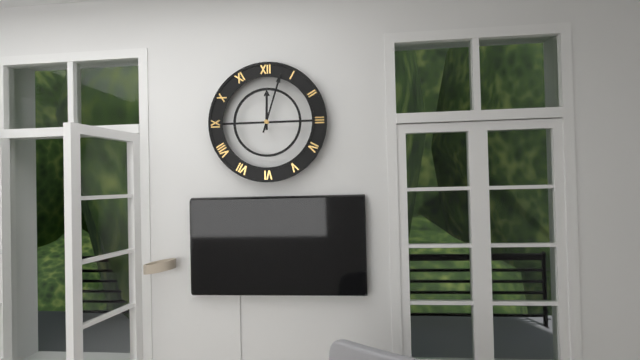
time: 12:03
